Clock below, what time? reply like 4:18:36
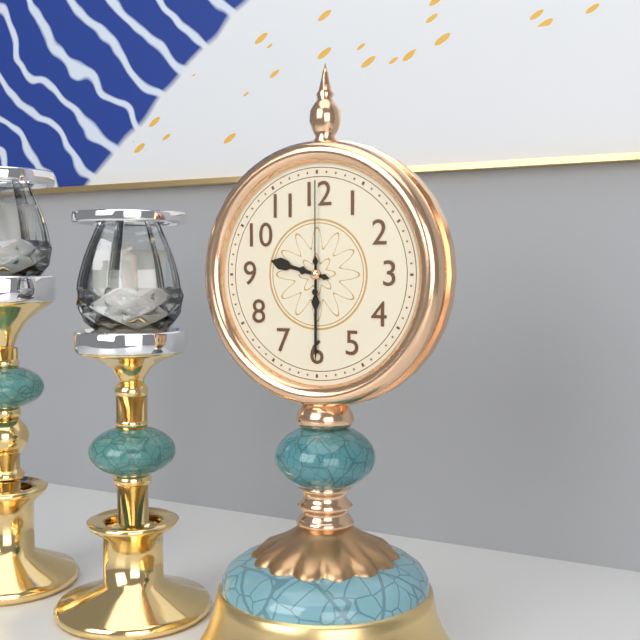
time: 9:30:00
